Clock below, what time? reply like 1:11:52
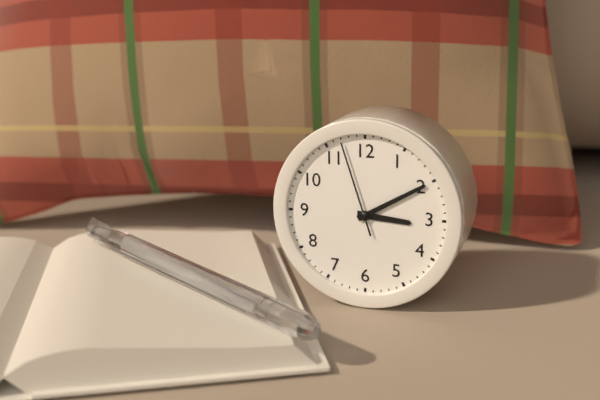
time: 3:10:57
